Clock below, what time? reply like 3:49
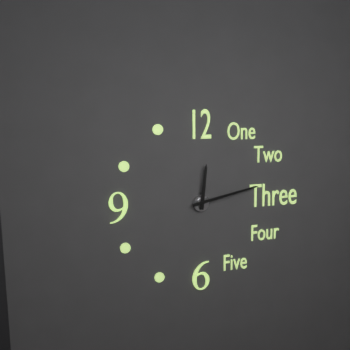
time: 12:13
